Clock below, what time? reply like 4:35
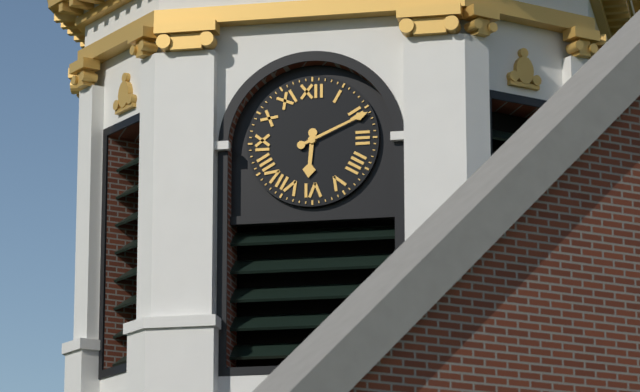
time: 6:11
